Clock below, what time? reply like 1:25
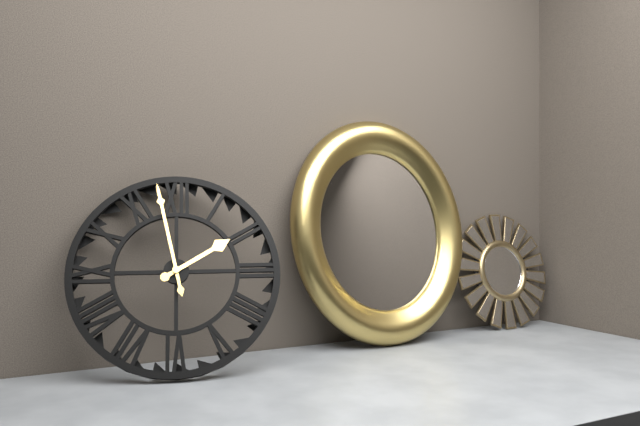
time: 1:58
